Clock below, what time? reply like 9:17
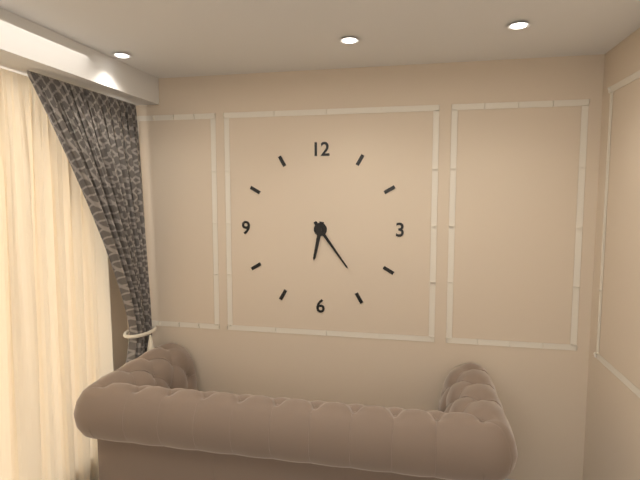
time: 6:24
